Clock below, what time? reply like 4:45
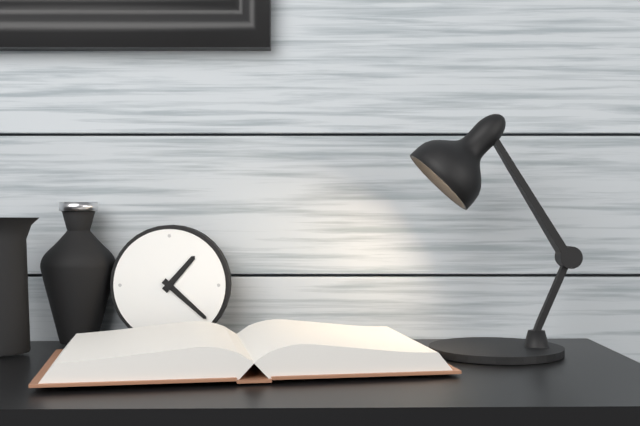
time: 1:22
